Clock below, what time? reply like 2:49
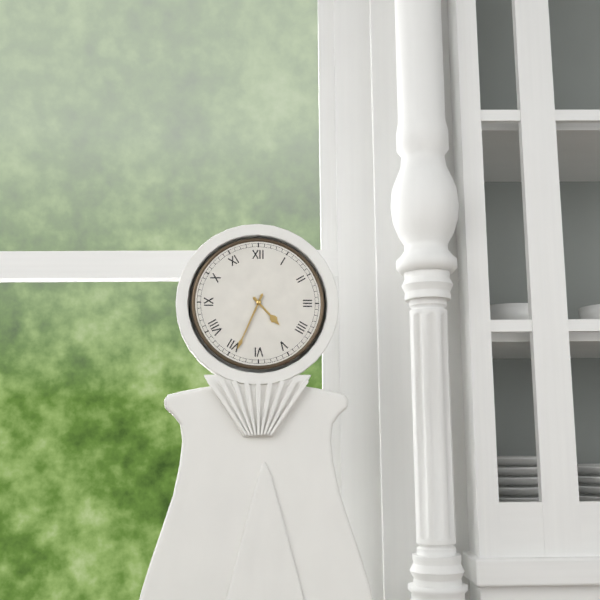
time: 4:34
